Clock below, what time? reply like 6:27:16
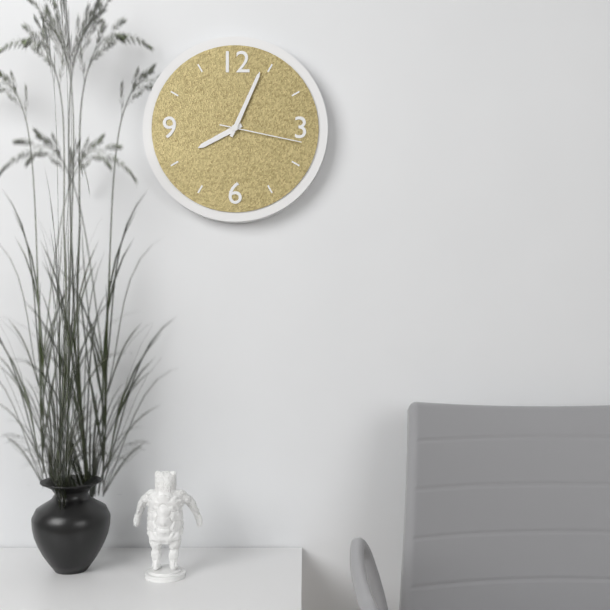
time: 8:04:17
